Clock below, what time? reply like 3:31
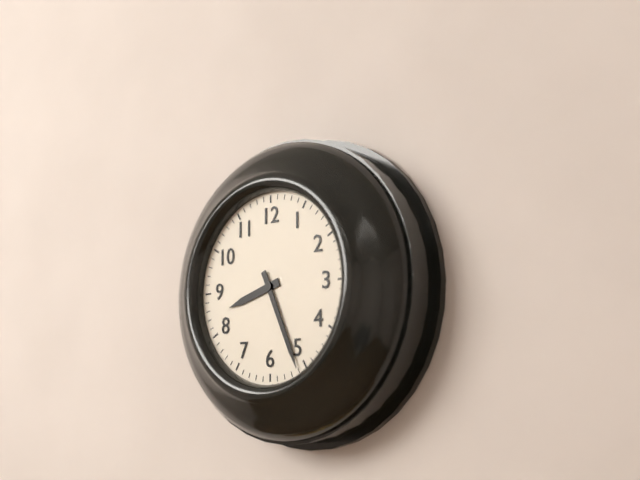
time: 8:26
